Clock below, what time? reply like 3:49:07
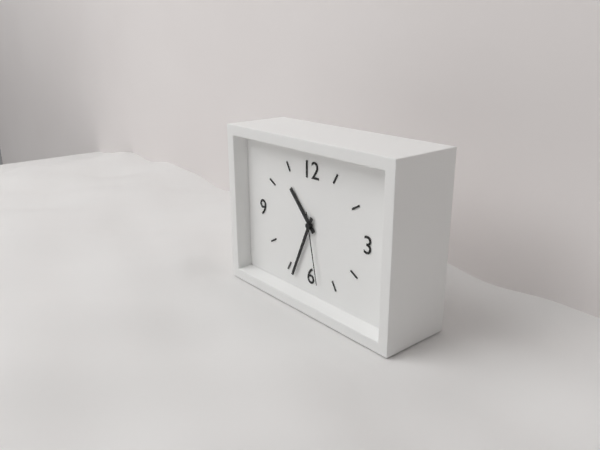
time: 10:34:28
